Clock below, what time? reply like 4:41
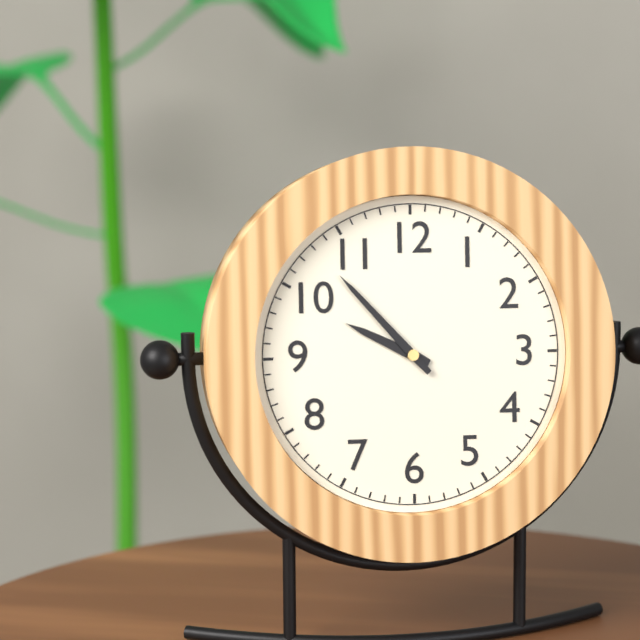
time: 9:53
